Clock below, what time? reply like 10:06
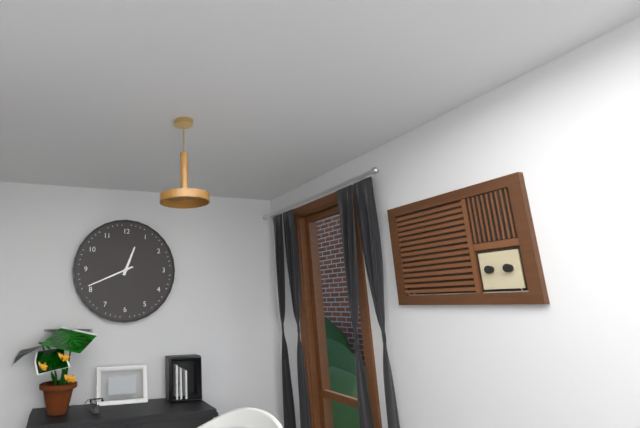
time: 12:41
